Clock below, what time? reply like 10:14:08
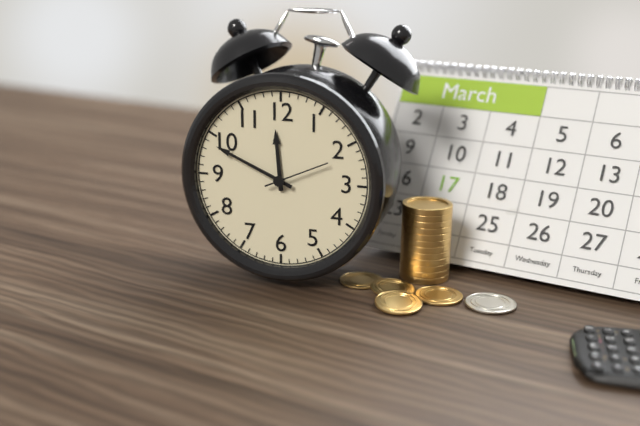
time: 11:49:11
